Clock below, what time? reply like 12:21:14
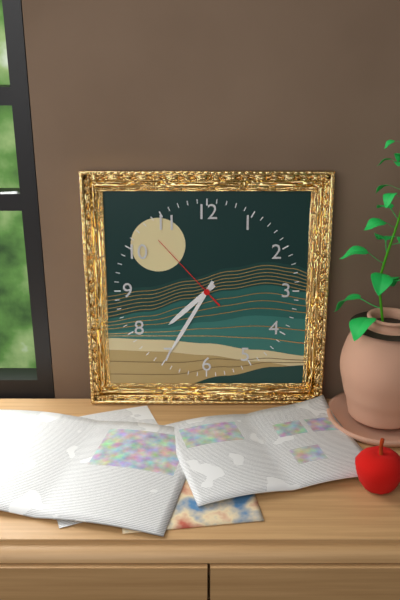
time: 7:35:53
